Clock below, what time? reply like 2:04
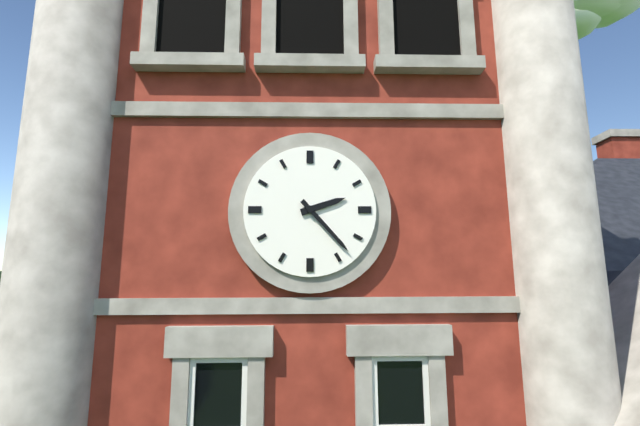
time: 2:23
